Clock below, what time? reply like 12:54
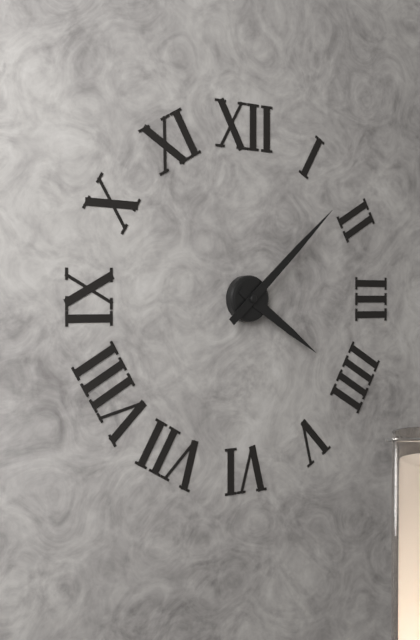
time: 4:08
